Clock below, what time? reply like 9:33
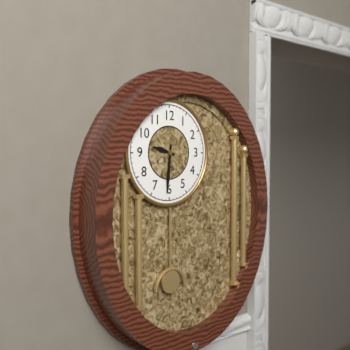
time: 9:31
